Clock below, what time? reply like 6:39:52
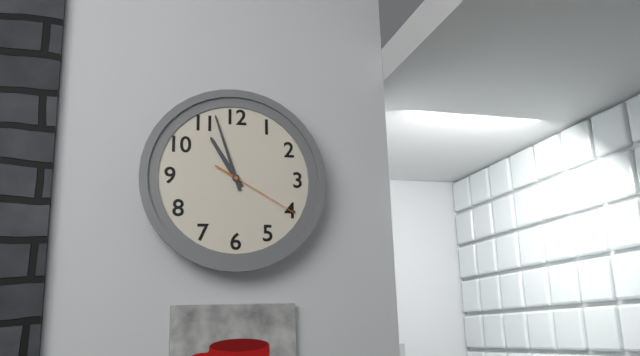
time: 10:57:20
